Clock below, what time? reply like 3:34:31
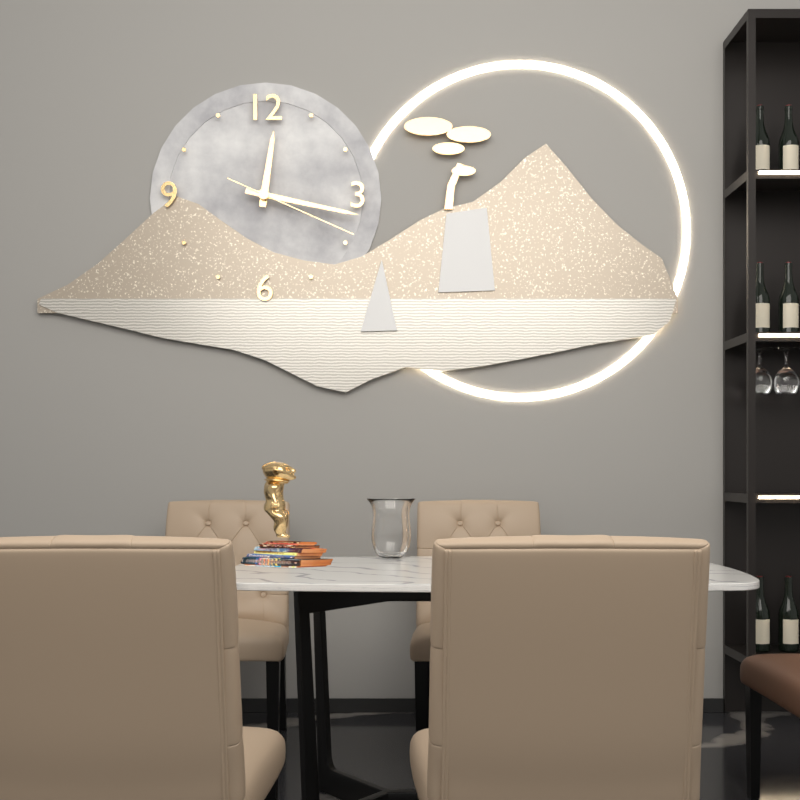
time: 12:17:19
